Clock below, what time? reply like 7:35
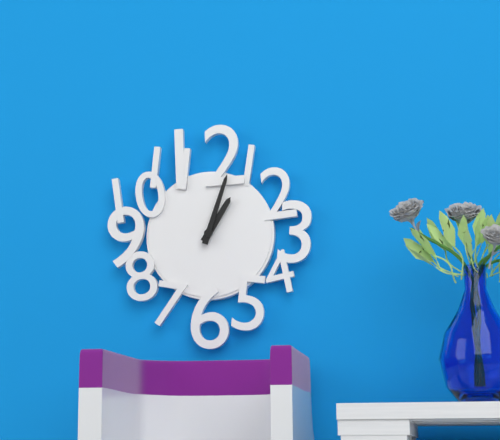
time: 1:03
